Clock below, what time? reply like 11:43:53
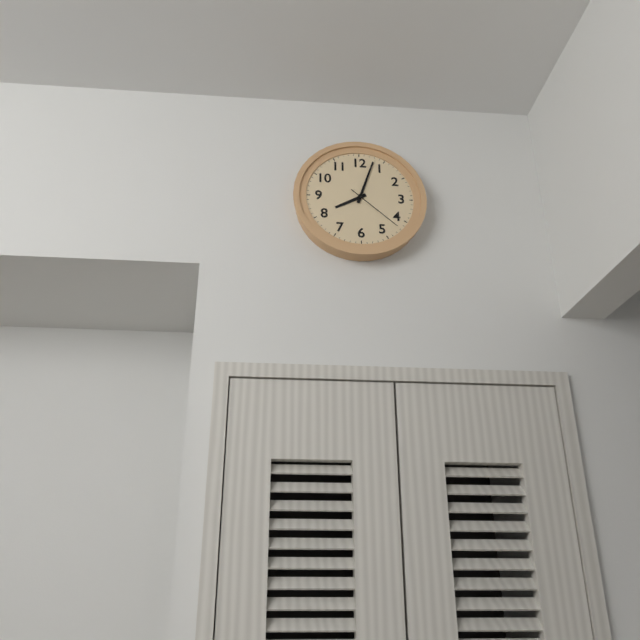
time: 8:03:22
